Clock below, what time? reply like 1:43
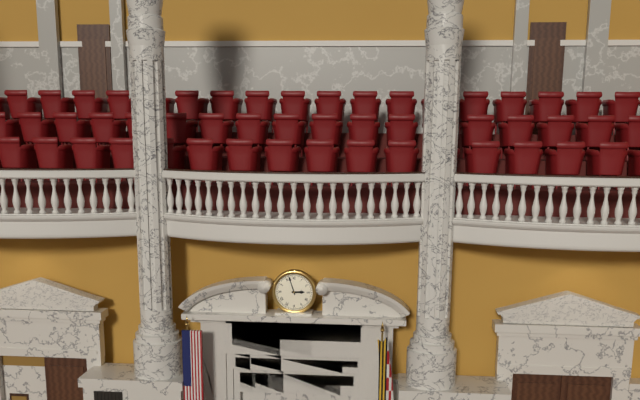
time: 2:57
